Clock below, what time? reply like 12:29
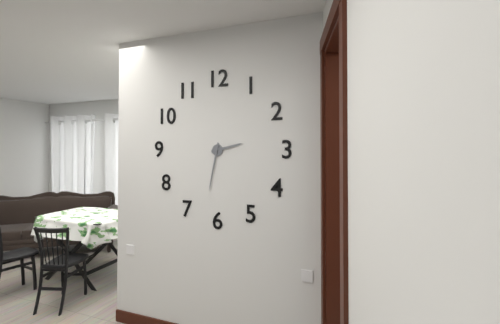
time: 2:32
